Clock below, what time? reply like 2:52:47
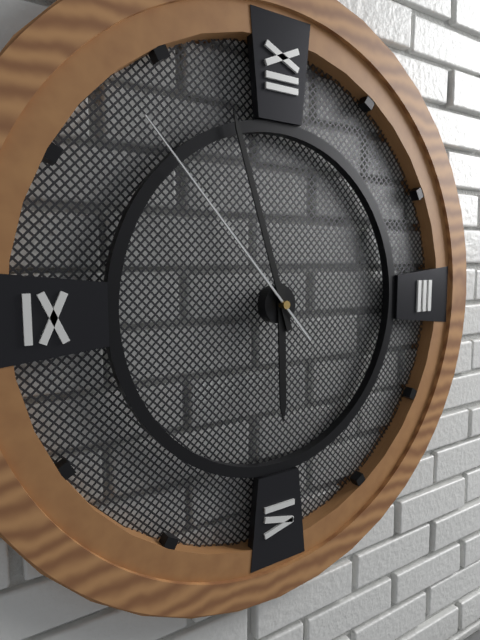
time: 5:57:53
